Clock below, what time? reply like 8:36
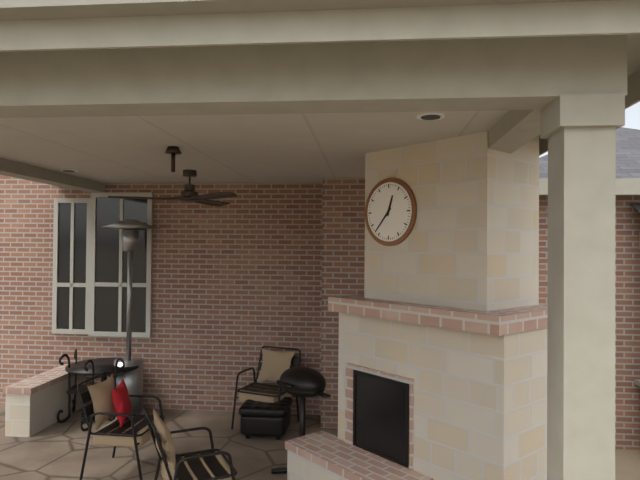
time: 12:37
